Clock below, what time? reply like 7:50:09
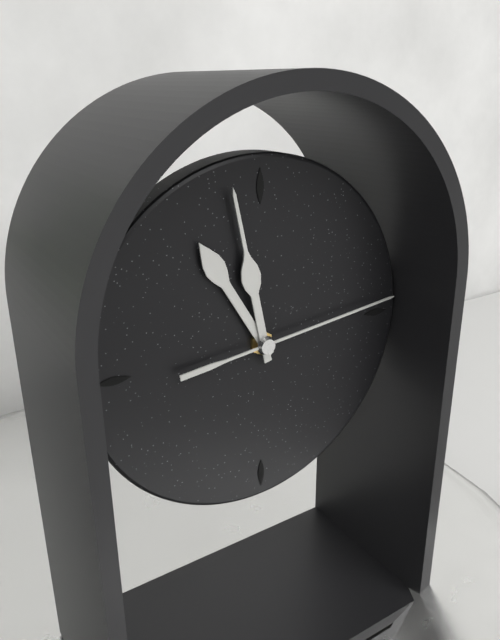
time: 10:58:14
